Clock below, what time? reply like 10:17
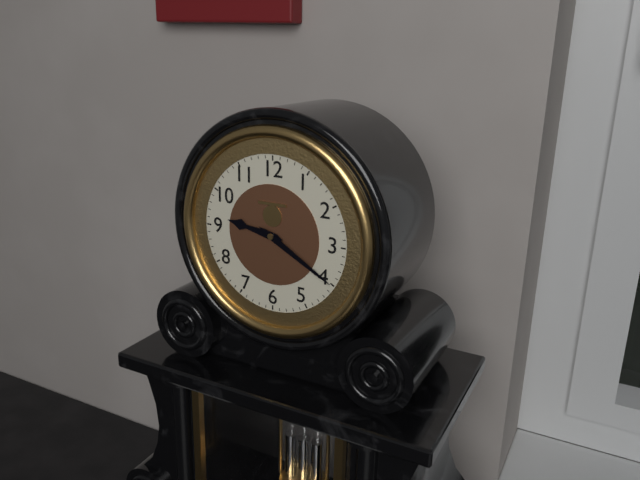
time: 9:20
